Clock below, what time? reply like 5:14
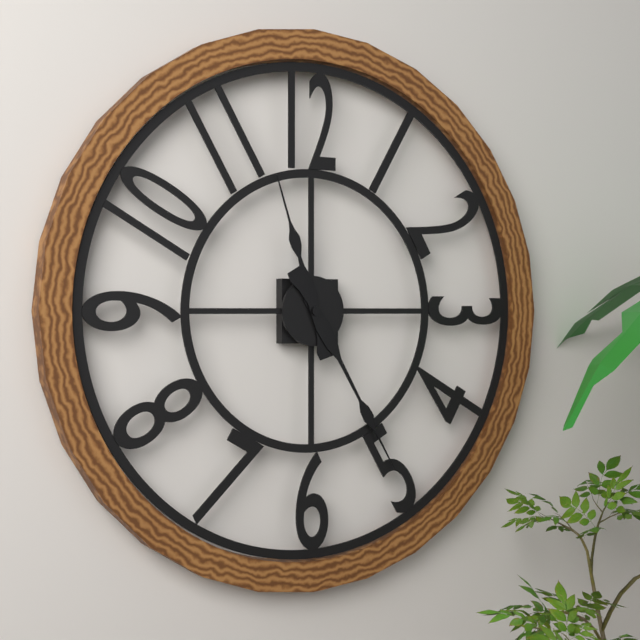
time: 11:25
